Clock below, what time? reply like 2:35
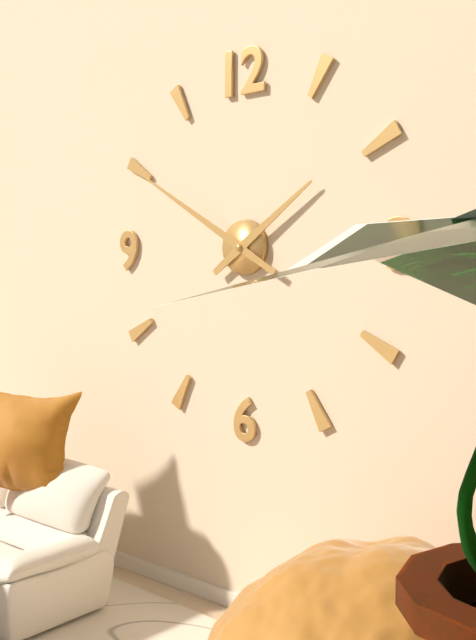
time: 1:50
